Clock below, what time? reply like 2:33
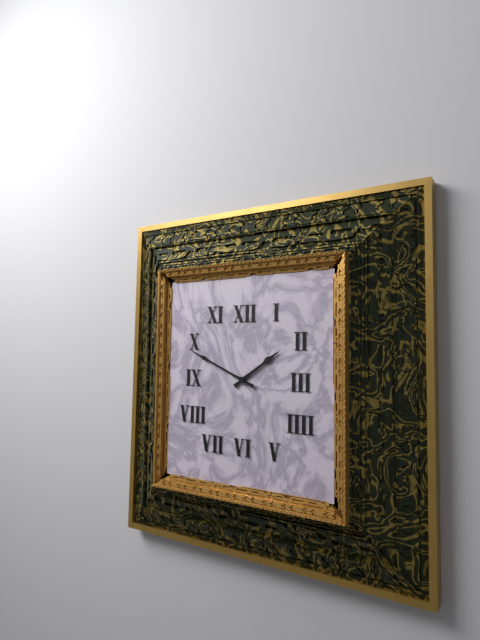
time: 1:49
